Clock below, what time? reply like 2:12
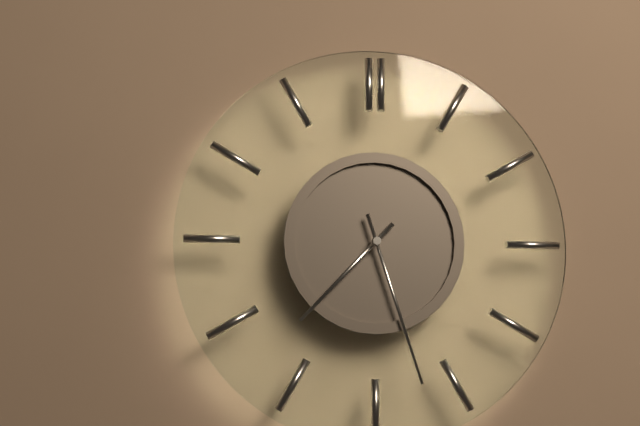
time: 7:27
